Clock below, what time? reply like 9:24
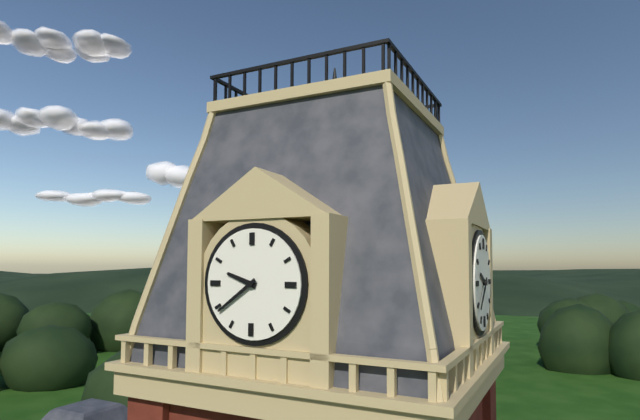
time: 9:39
